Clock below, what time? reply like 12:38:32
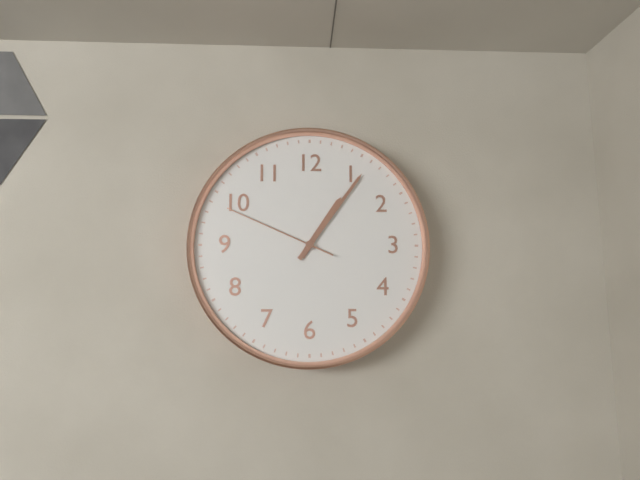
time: 1:06:49
